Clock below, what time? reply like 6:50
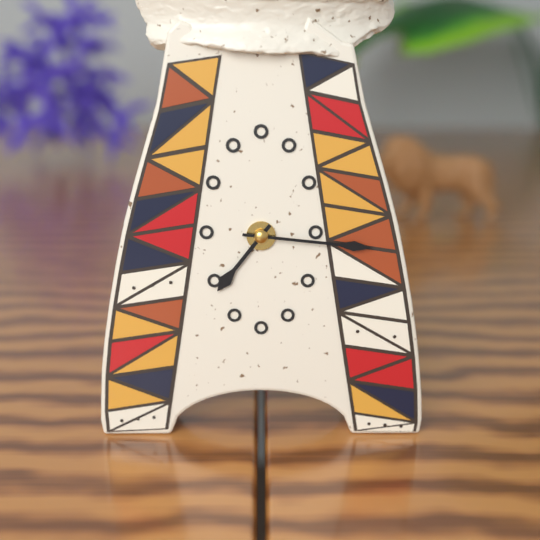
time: 7:16
